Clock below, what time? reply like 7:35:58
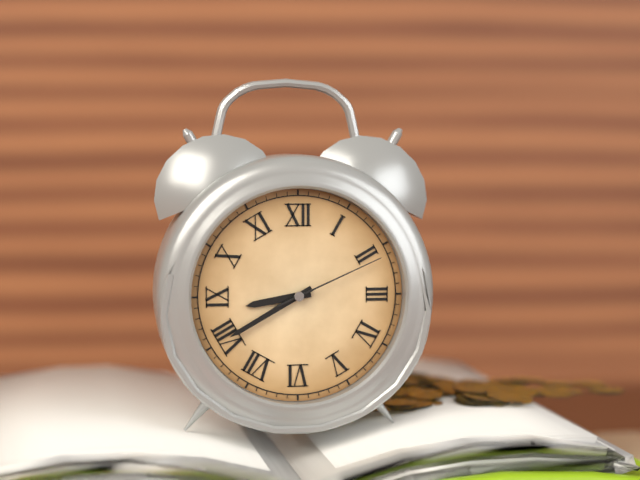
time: 8:40:11
